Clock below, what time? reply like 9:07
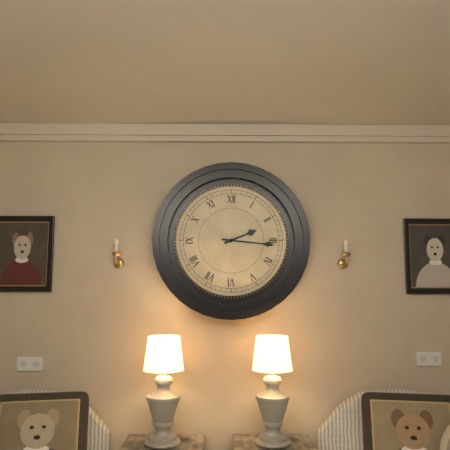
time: 2:16
